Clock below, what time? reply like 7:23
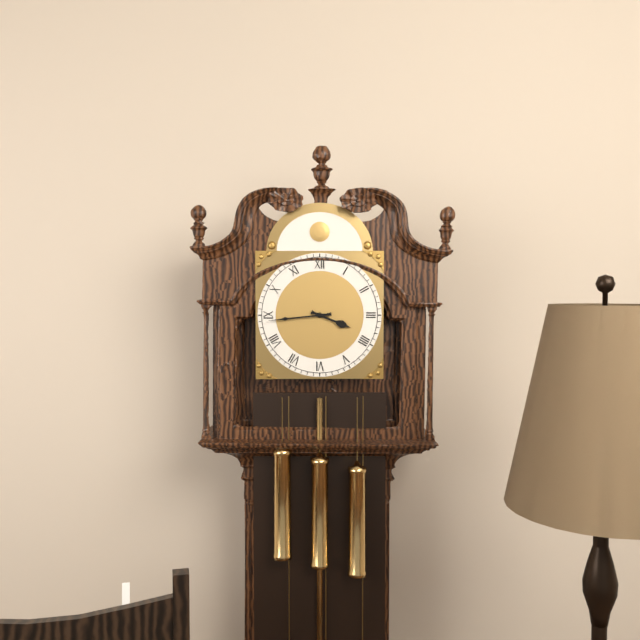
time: 3:44
